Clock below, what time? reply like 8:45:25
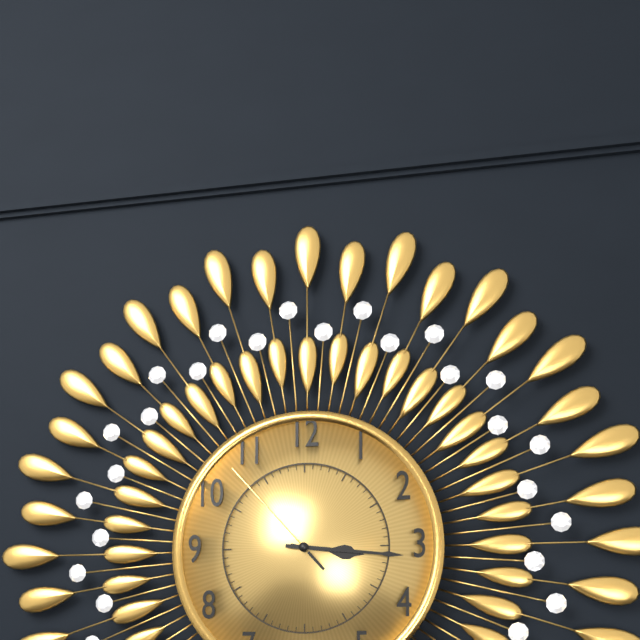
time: 3:16:53
